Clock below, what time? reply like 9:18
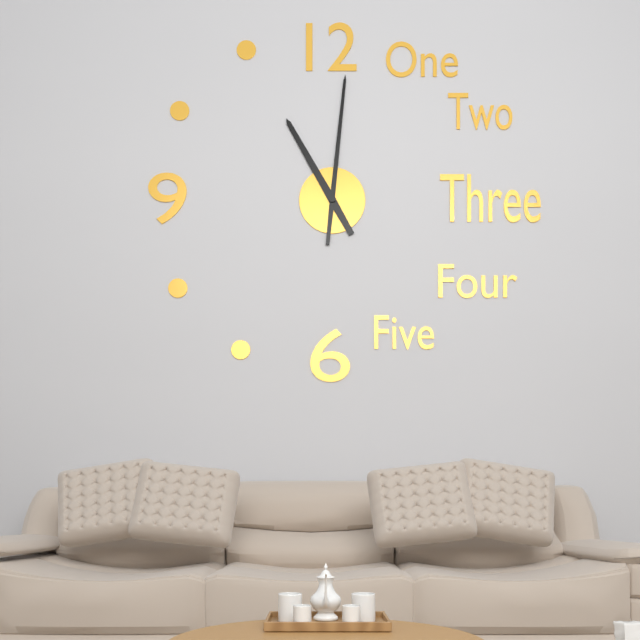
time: 11:01
